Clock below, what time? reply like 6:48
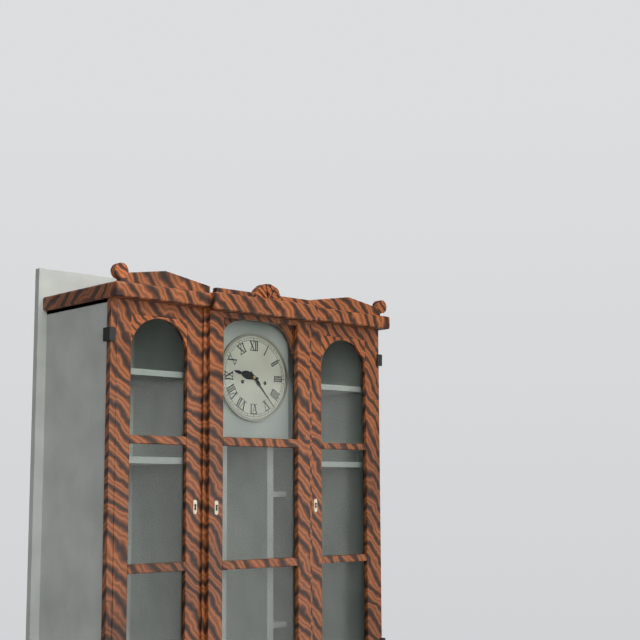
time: 9:23
